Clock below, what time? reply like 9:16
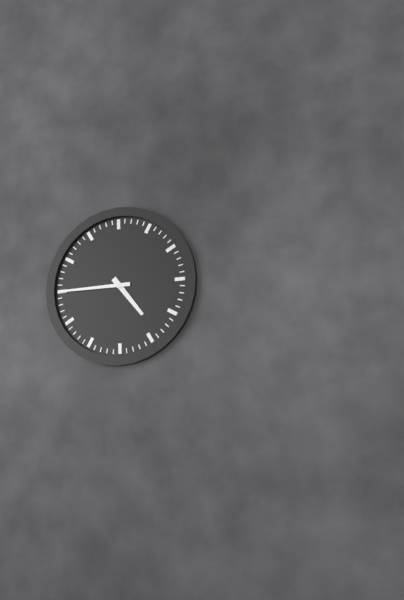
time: 4:45
